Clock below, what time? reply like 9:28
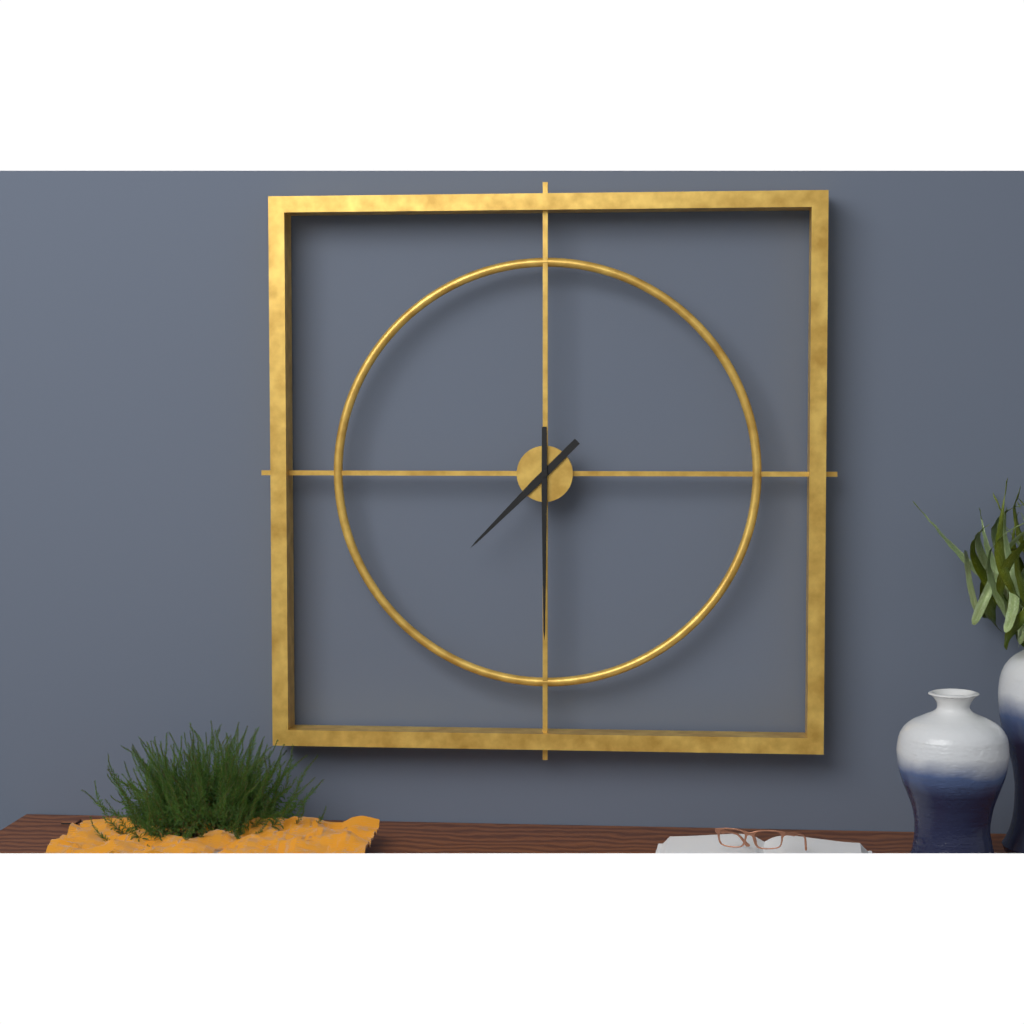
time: 7:30
